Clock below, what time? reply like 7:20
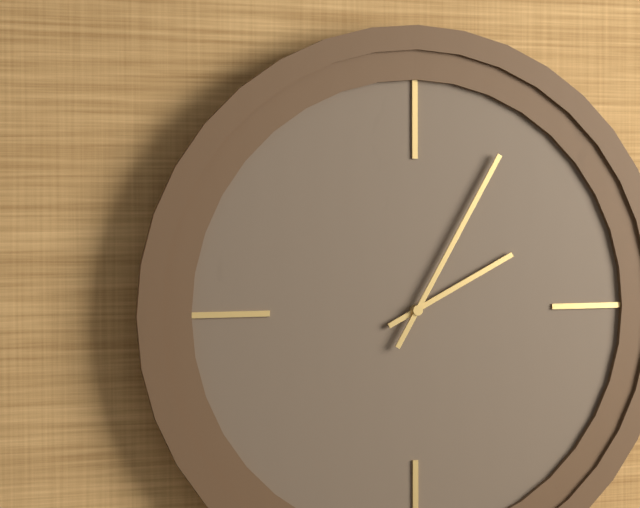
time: 2:05
